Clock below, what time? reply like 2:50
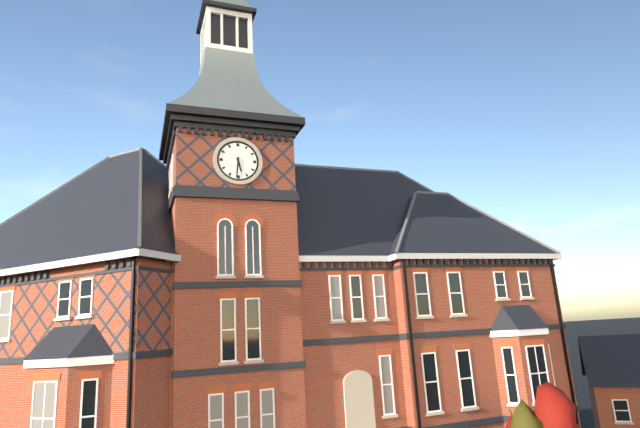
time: 5:31
